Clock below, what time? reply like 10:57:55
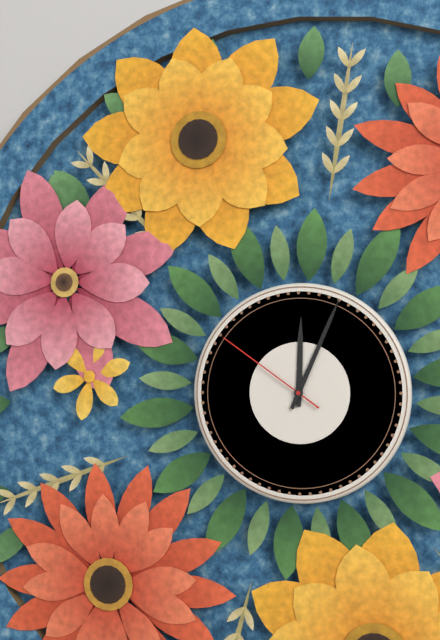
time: 12:04:51
